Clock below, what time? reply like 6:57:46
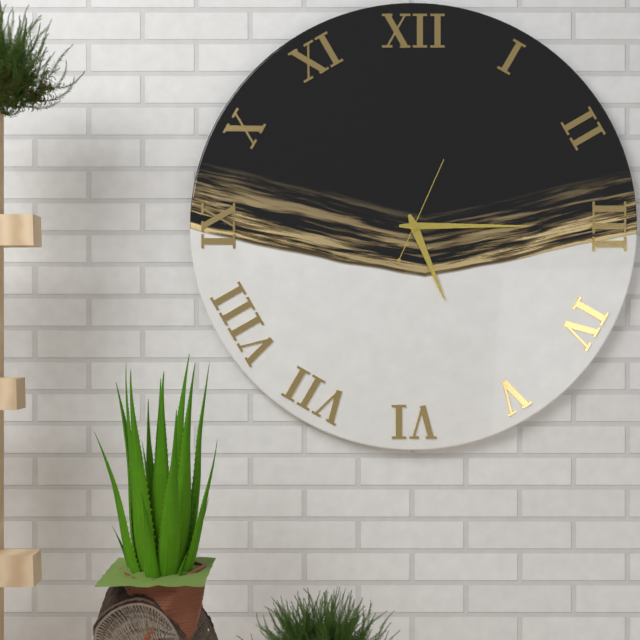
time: 5:15:04
